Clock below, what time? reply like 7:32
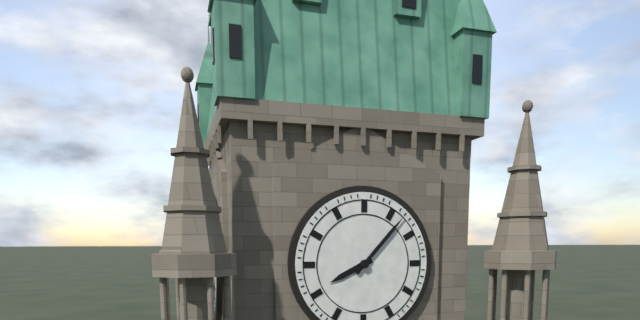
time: 8:07
